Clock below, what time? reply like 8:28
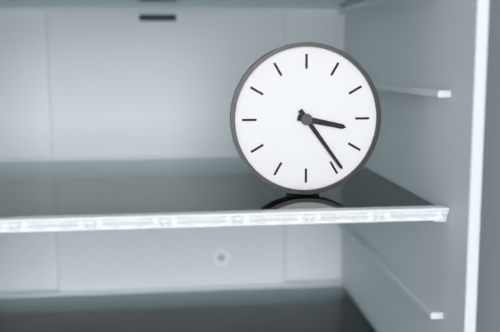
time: 3:24
